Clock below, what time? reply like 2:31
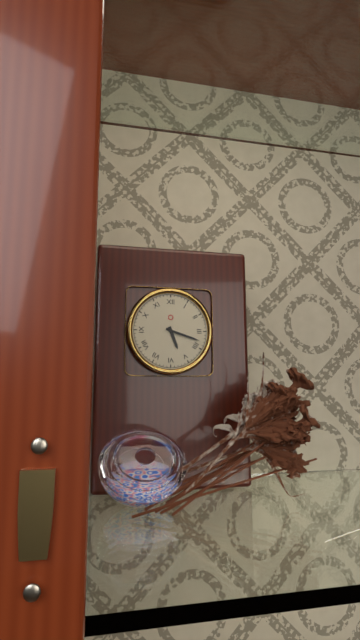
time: 5:18
